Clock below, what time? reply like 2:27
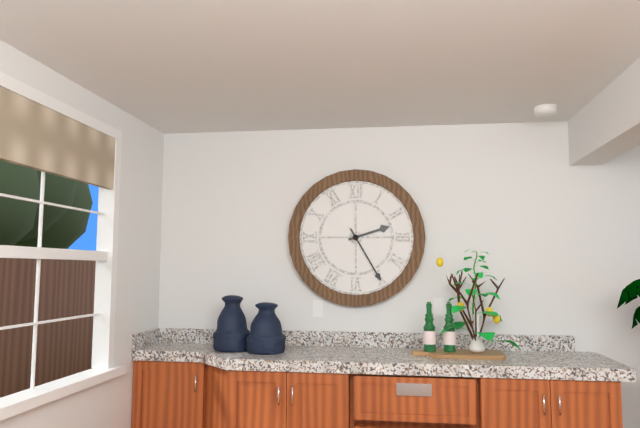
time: 2:25
